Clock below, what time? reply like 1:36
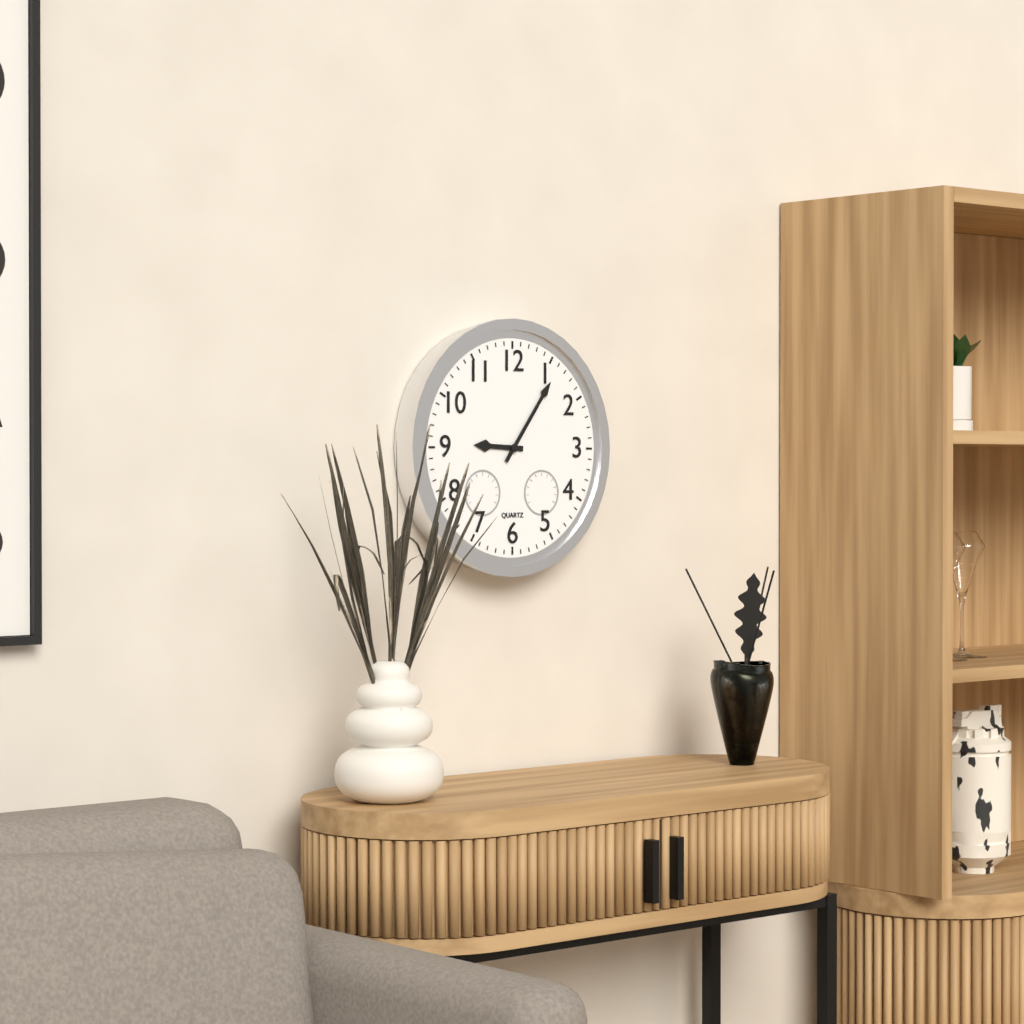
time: 9:06
